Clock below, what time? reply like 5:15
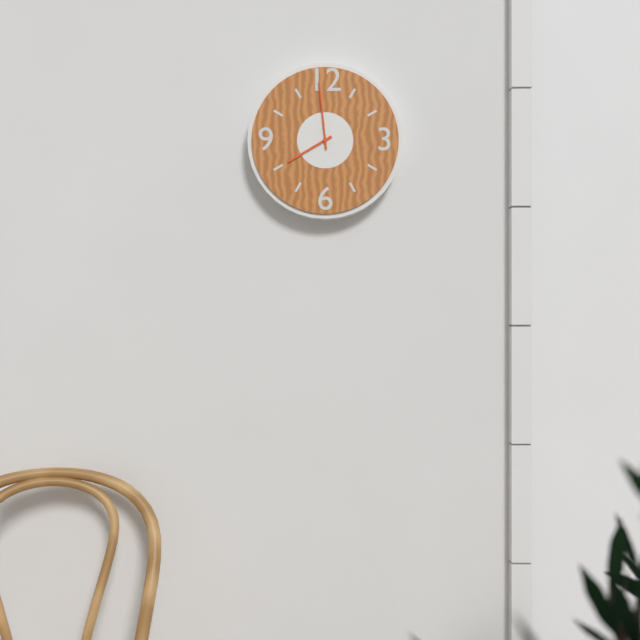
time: 7:59
